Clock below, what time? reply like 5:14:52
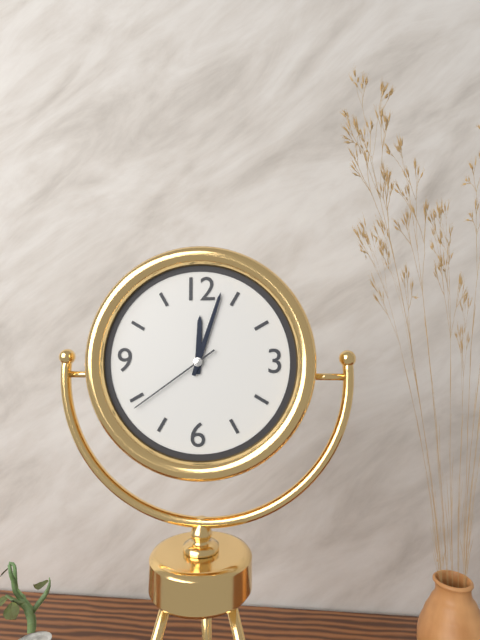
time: 12:03:39
